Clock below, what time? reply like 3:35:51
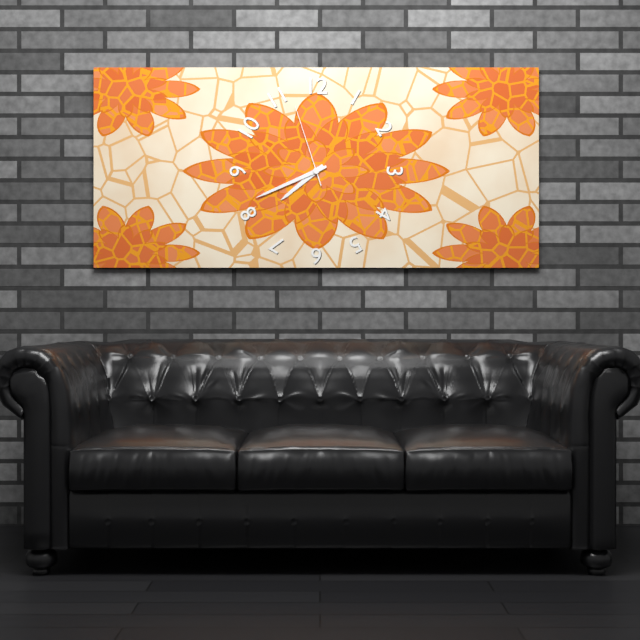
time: 7:41:57
